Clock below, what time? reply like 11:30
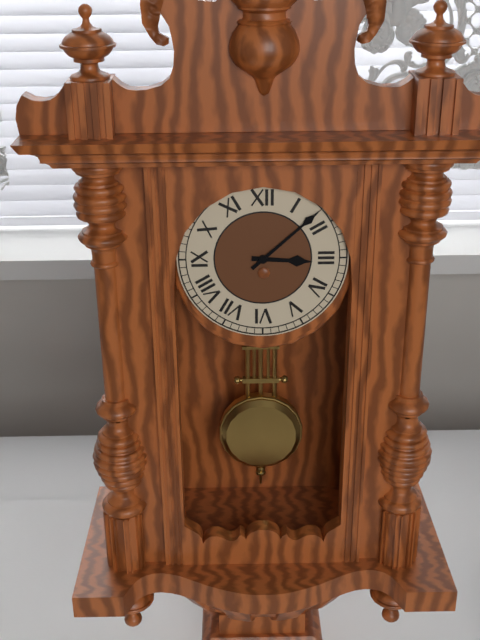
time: 3:08
